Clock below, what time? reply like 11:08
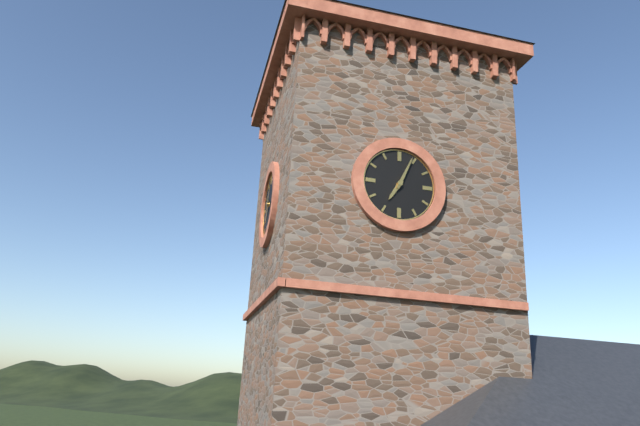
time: 7:04
